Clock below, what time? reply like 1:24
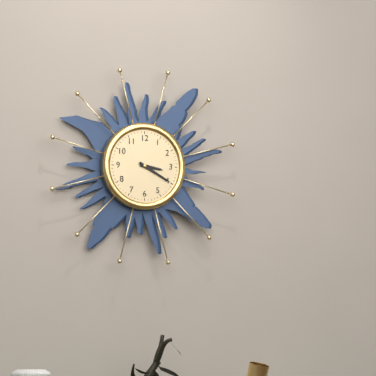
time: 3:20
